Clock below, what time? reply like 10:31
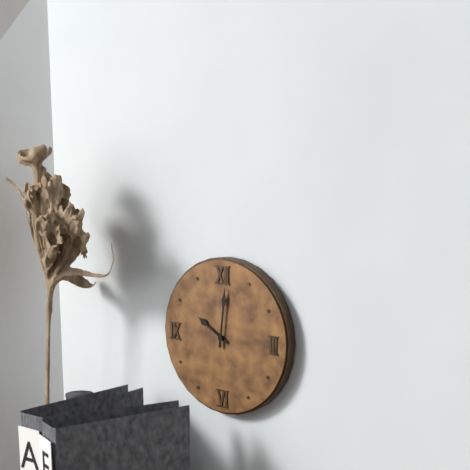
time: 10:01
